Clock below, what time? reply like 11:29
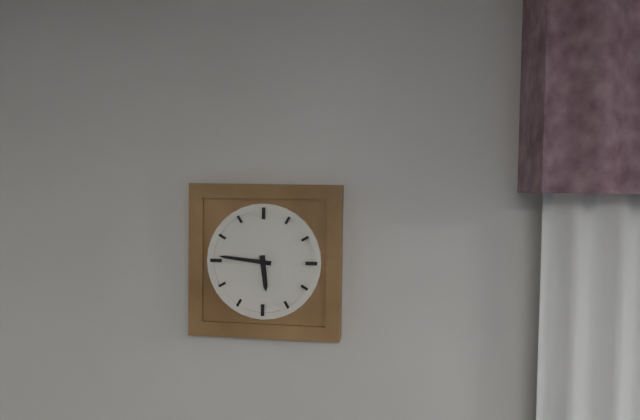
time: 5:46
